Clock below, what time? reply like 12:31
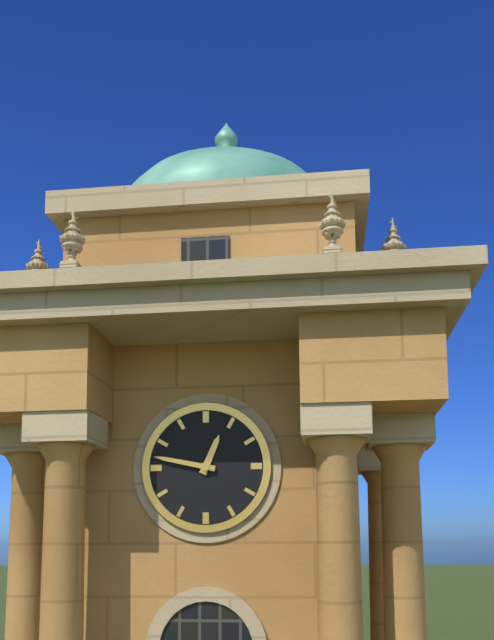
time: 12:47
